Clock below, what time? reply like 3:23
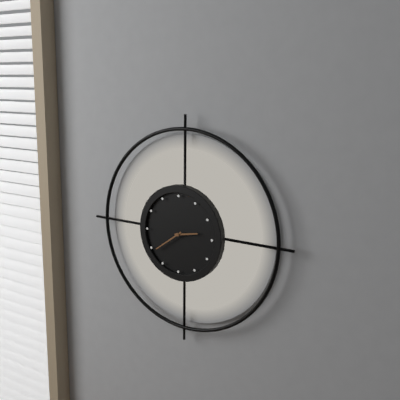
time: 2:39
